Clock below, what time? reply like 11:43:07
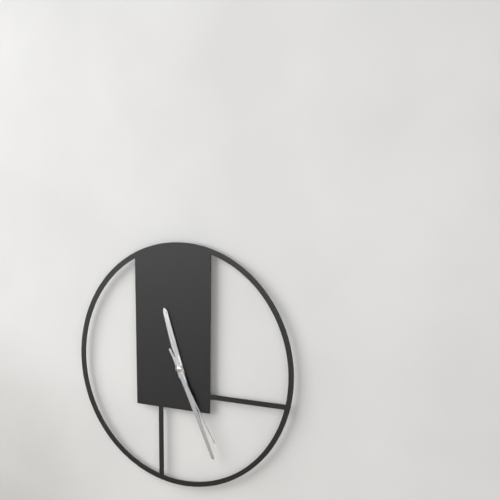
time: 11:26:25
